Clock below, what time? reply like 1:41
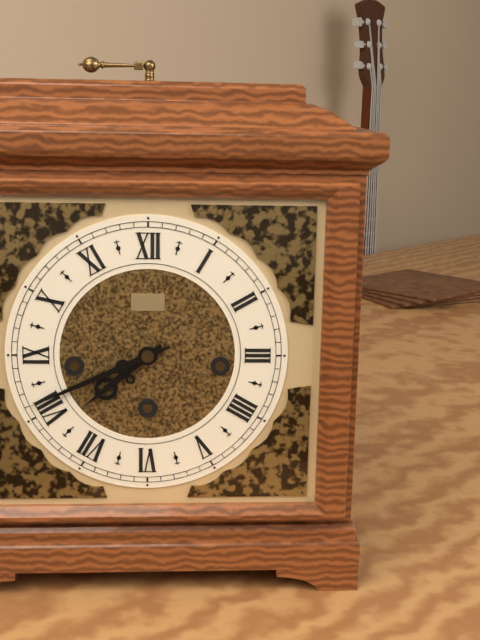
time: 7:41
